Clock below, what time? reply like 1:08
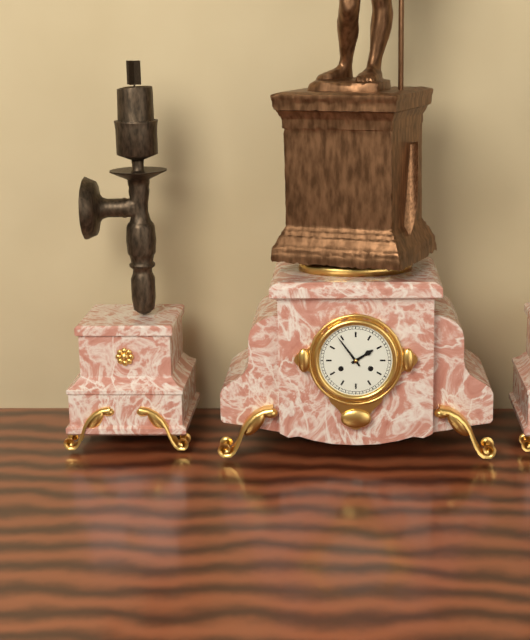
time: 1:54
